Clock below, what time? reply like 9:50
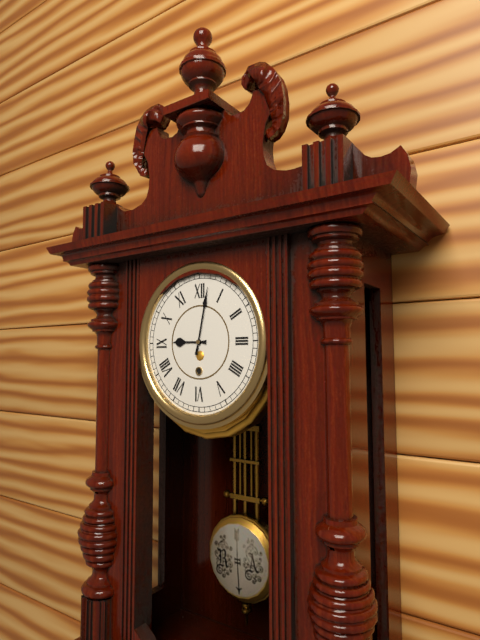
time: 9:02
